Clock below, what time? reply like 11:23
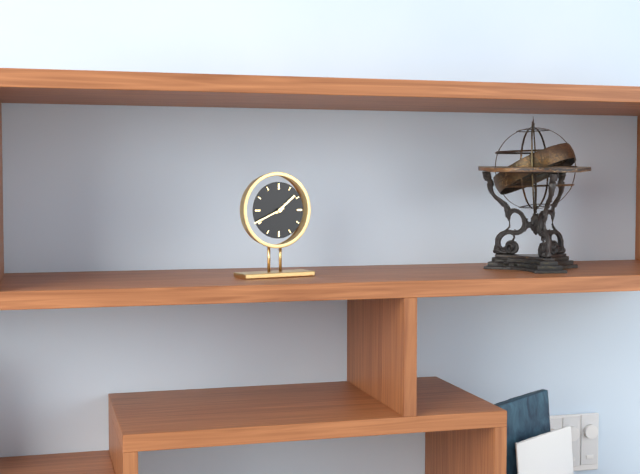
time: 1:41
